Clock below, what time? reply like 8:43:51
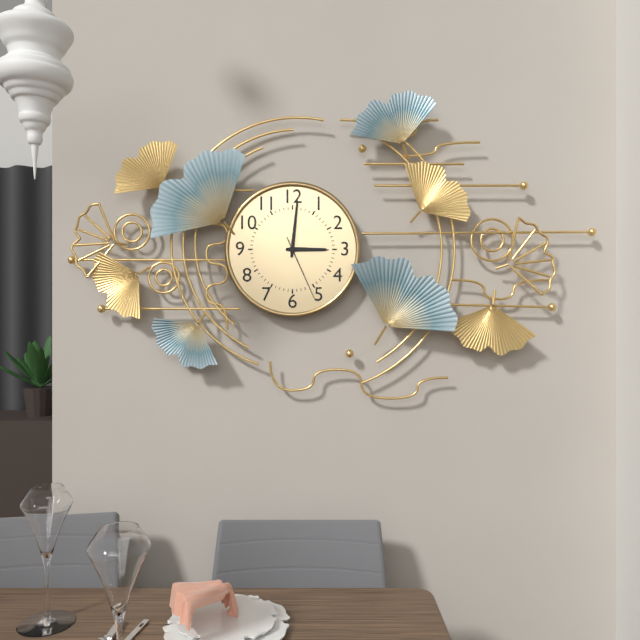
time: 3:01:26
